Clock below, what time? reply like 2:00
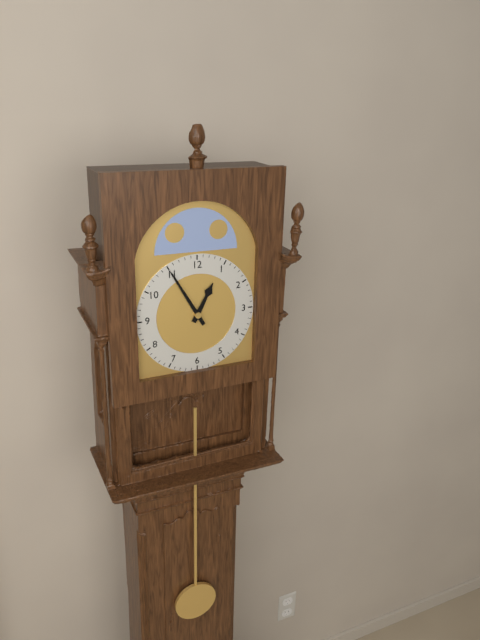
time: 12:55
